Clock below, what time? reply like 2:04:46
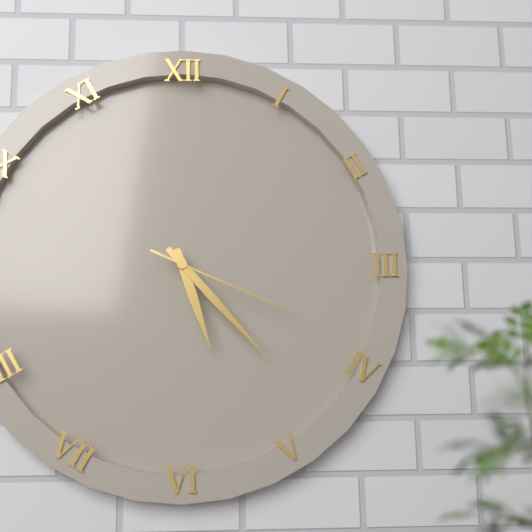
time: 5:23:19
